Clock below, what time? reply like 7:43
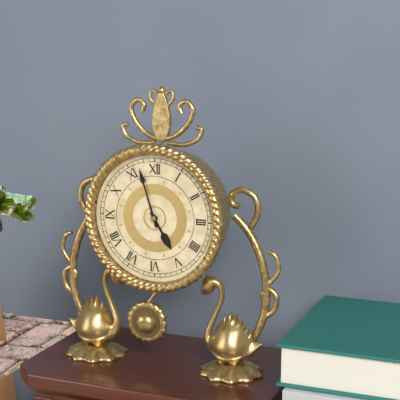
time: 4:57
